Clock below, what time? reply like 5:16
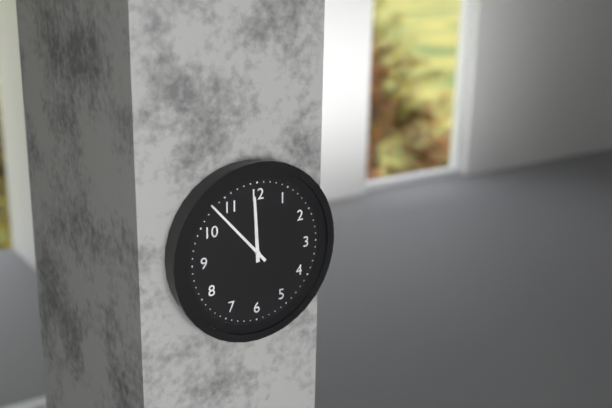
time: 11:53
